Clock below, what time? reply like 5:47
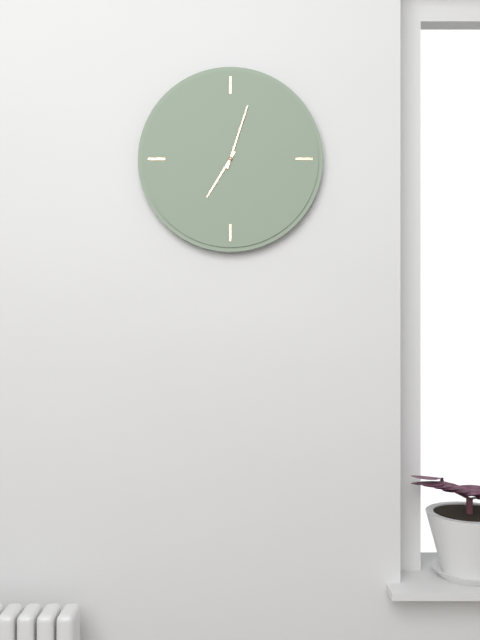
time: 7:03
